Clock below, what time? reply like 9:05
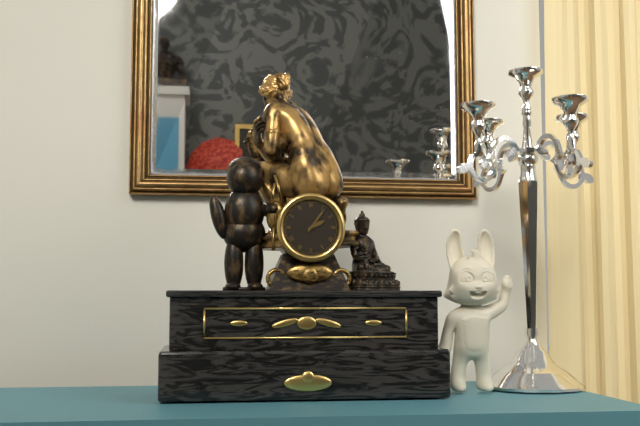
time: 2:06
